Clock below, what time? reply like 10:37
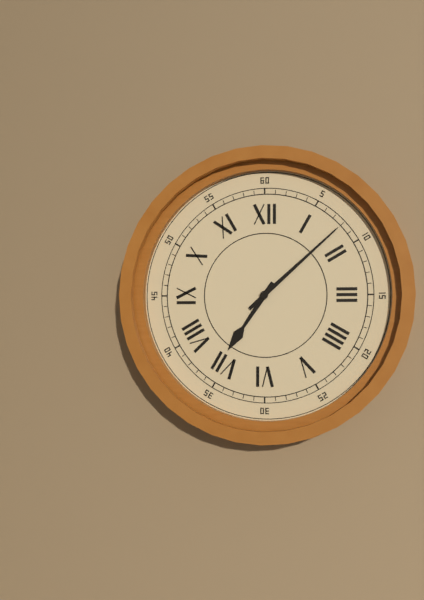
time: 7:08
